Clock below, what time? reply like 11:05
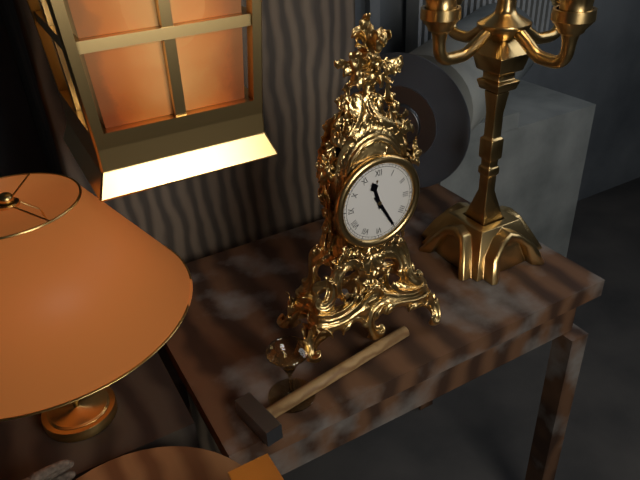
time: 11:25
